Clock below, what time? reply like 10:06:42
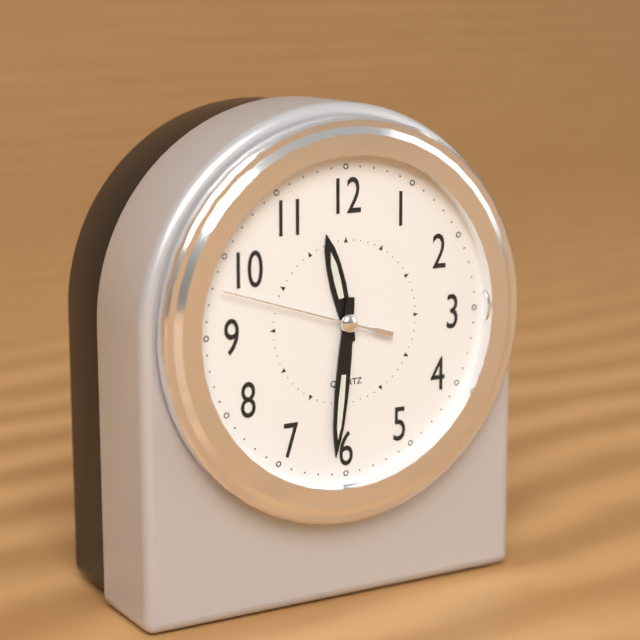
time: 11:31:48
